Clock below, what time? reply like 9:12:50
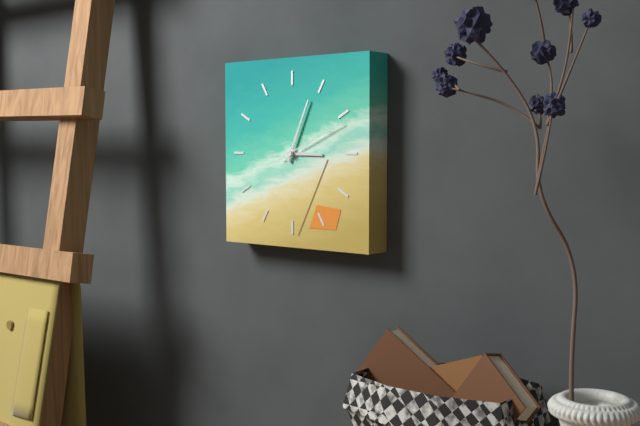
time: 3:04:11
